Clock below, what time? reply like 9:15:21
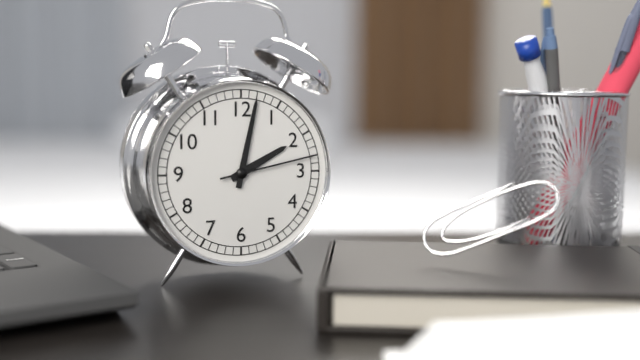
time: 2:02:13
